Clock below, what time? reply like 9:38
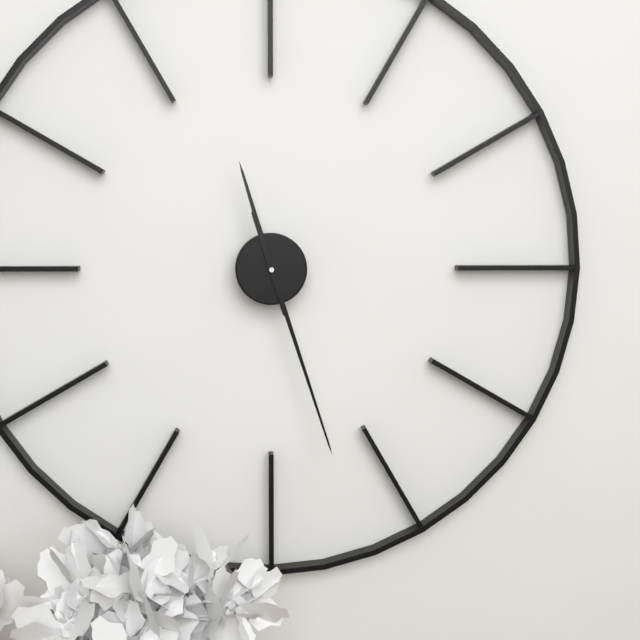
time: 11:27
